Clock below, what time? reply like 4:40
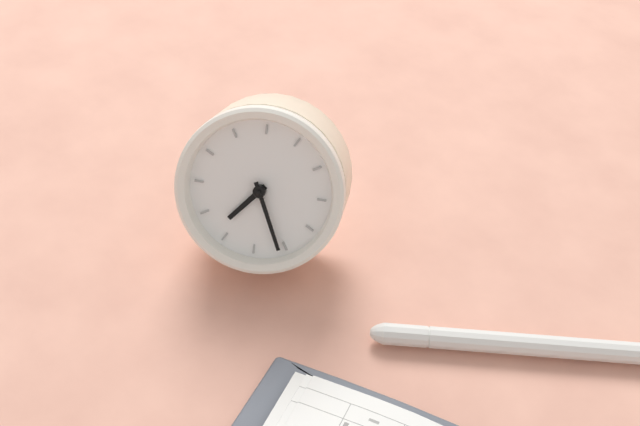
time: 6:21
